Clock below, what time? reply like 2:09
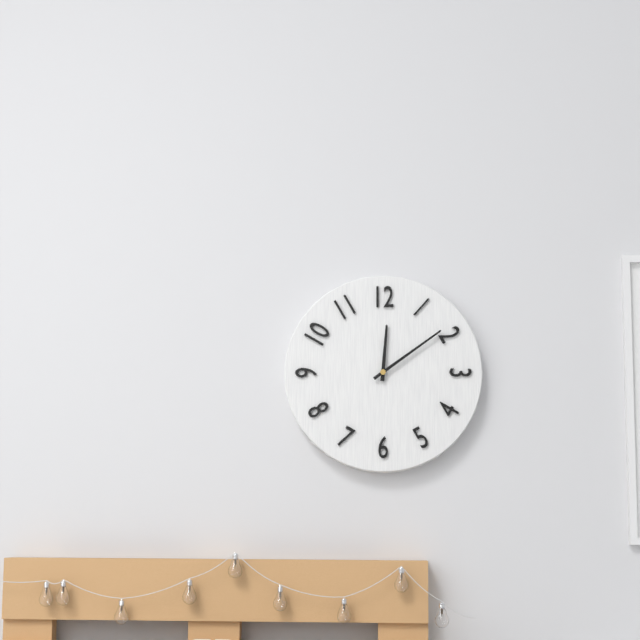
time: 12:09
